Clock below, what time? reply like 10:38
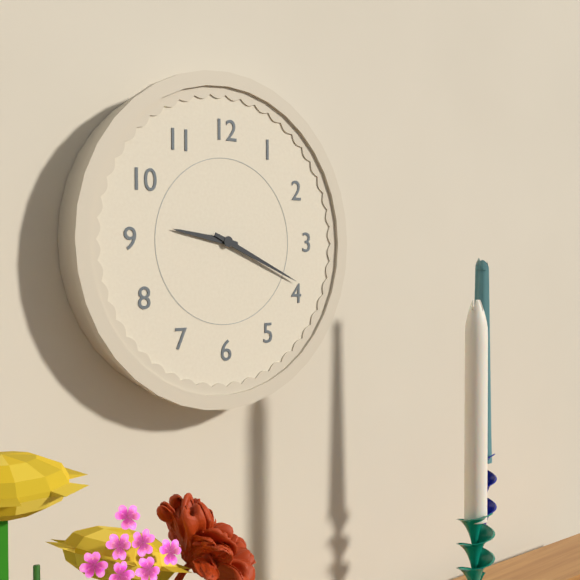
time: 9:19
